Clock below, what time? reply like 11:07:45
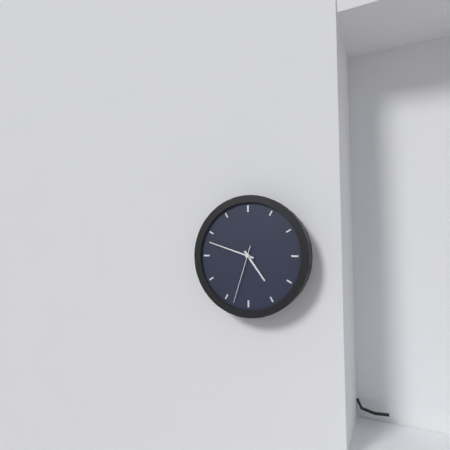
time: 4:48:33
